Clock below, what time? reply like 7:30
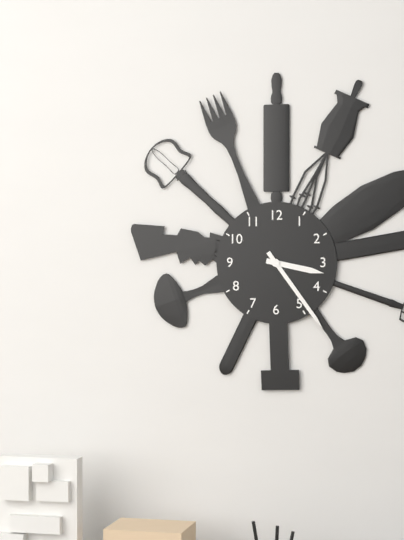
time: 3:24
